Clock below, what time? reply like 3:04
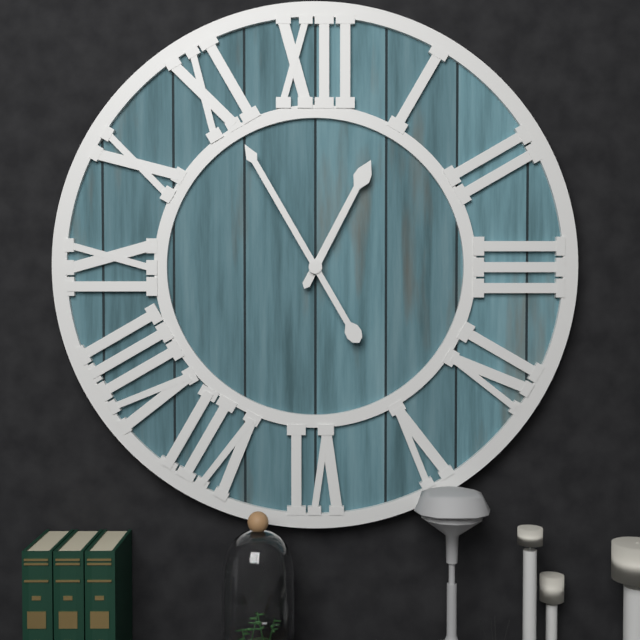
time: 12:55
